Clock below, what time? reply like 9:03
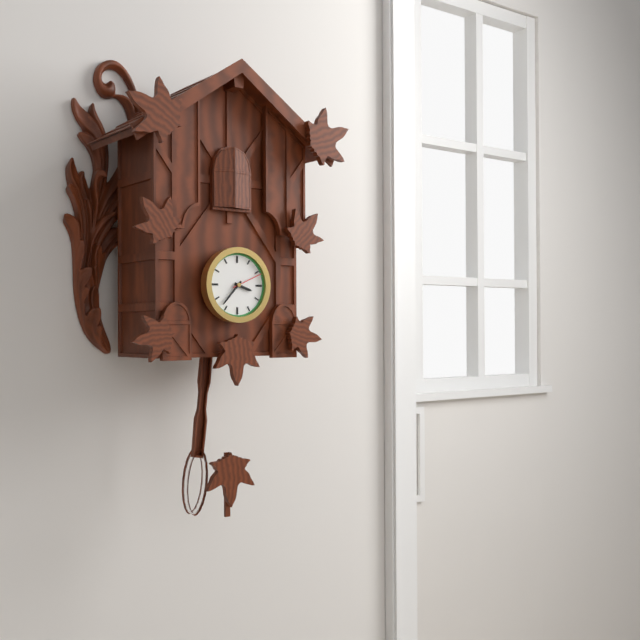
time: 3:37
